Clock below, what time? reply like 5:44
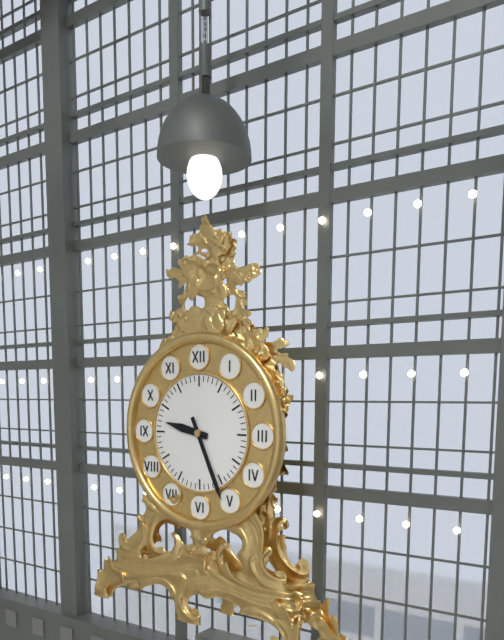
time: 9:26
